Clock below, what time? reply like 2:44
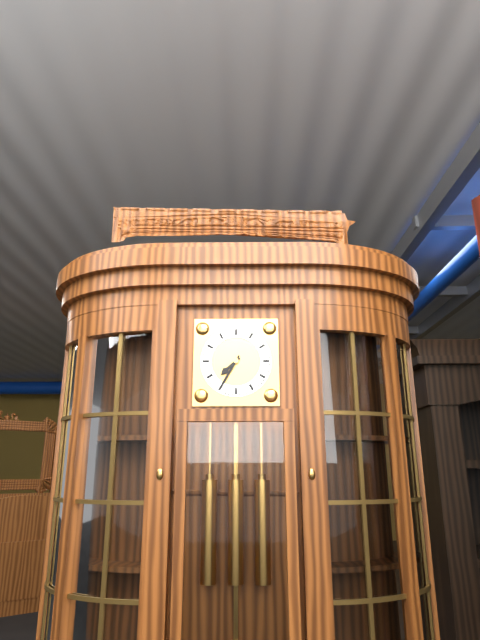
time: 7:35
